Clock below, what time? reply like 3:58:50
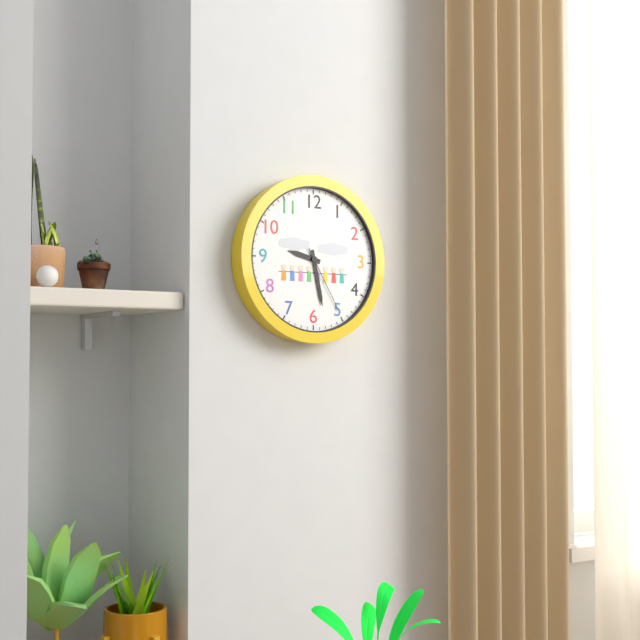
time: 9:28:25
